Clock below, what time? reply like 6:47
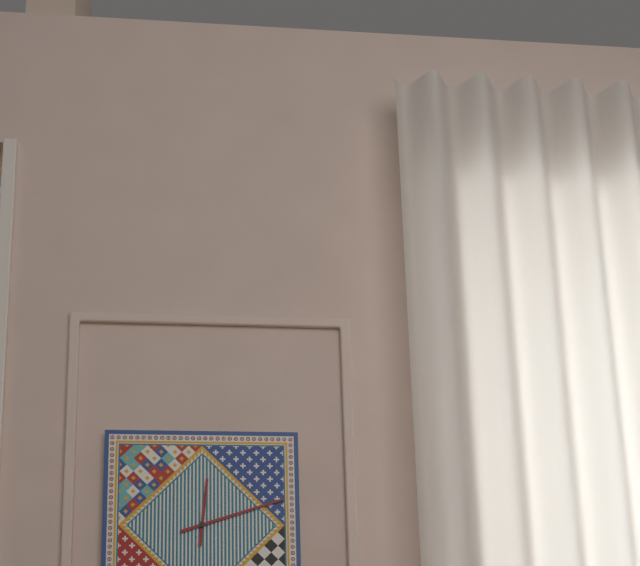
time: 12:12
